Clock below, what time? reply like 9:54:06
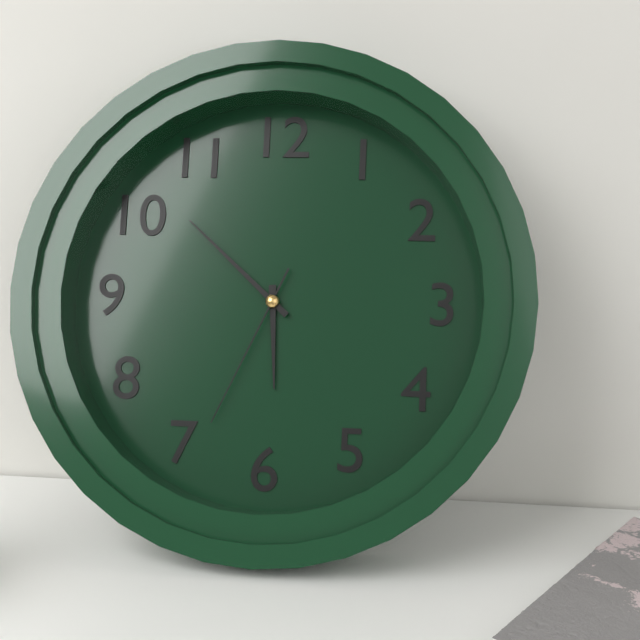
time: 5:52:34
